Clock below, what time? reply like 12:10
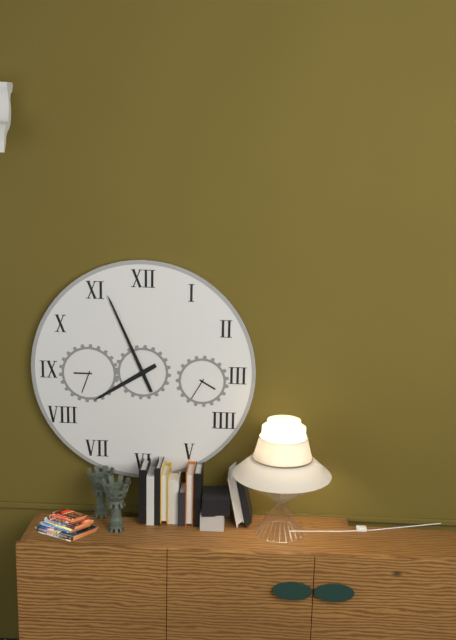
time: 7:56
